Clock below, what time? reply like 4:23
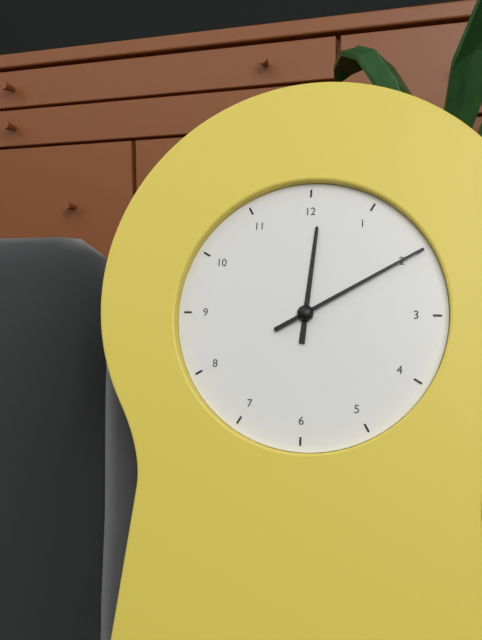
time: 12:10
